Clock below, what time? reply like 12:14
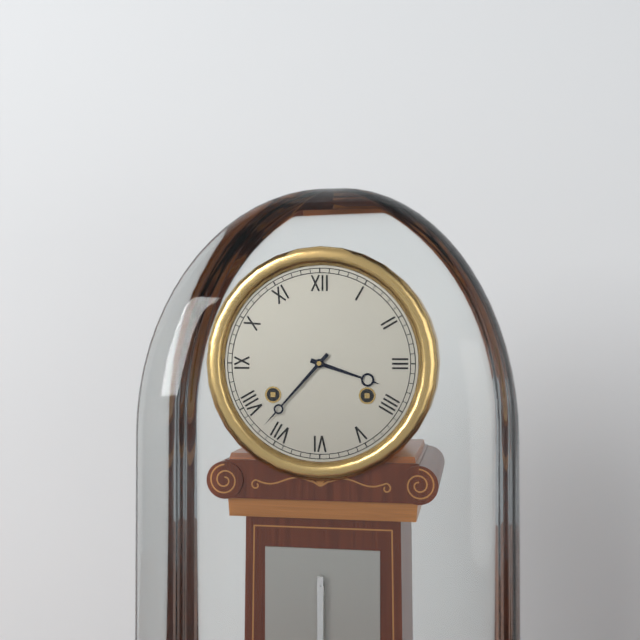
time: 3:37
